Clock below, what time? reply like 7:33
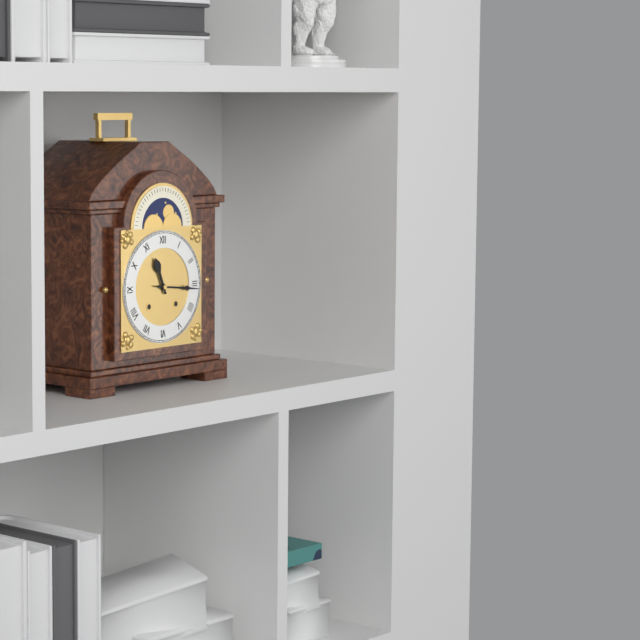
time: 11:16
